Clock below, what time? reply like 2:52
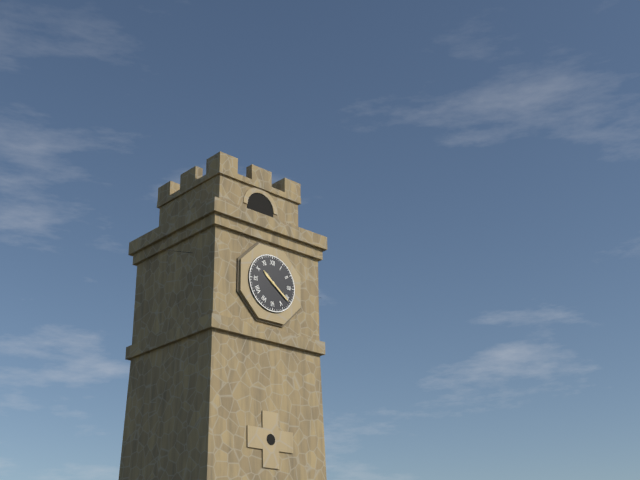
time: 10:21
